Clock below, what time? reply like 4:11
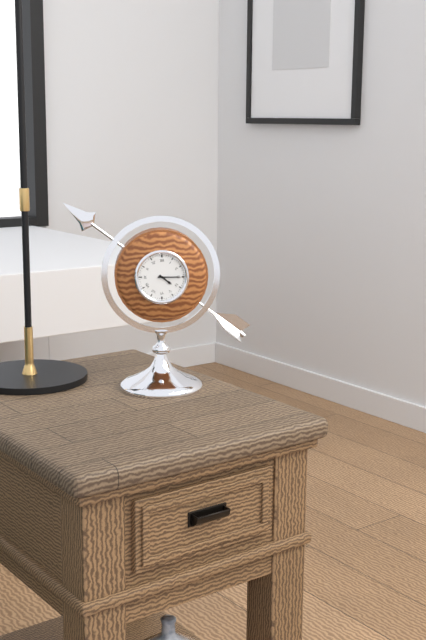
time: 4:15
